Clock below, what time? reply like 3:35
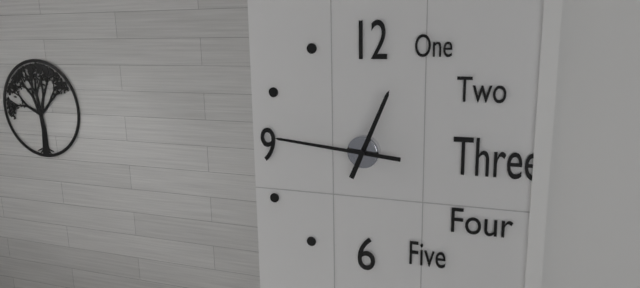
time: 12:46
